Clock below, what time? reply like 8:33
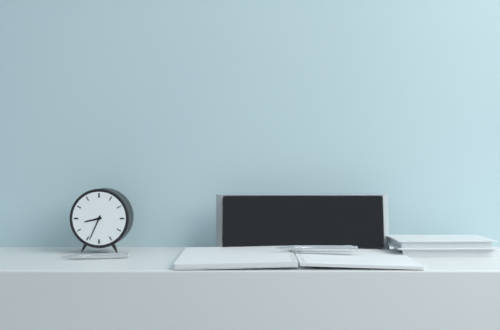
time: 8:34
